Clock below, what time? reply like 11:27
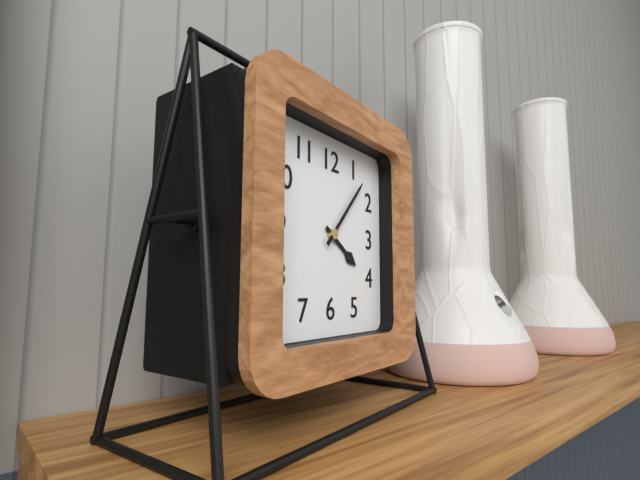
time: 4:07
